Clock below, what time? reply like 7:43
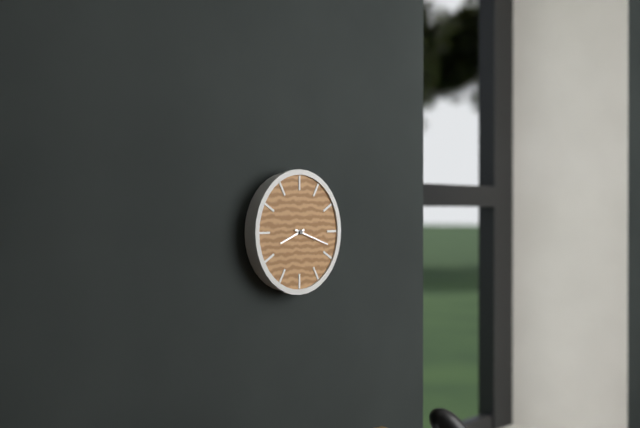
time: 8:18
